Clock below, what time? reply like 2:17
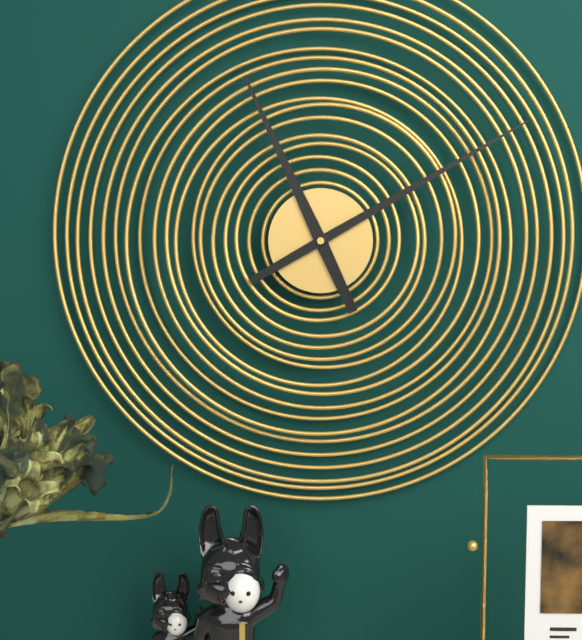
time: 11:10
